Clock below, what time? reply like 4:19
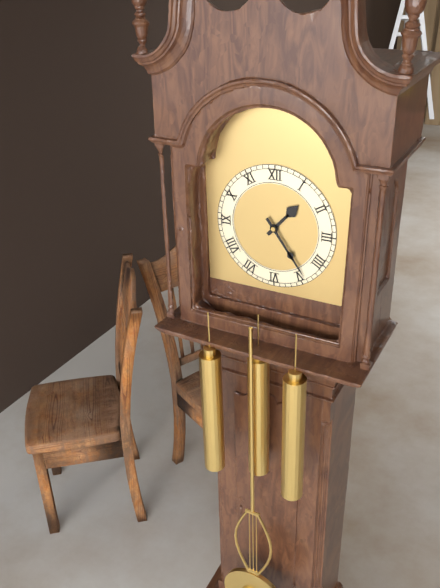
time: 1:24
